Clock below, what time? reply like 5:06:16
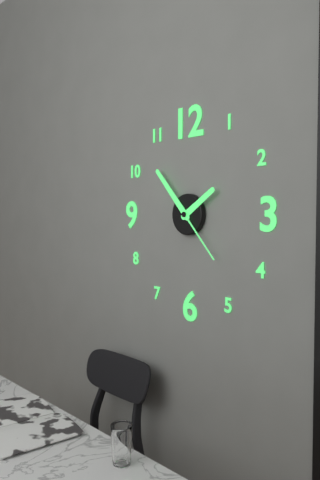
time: 1:53:23
